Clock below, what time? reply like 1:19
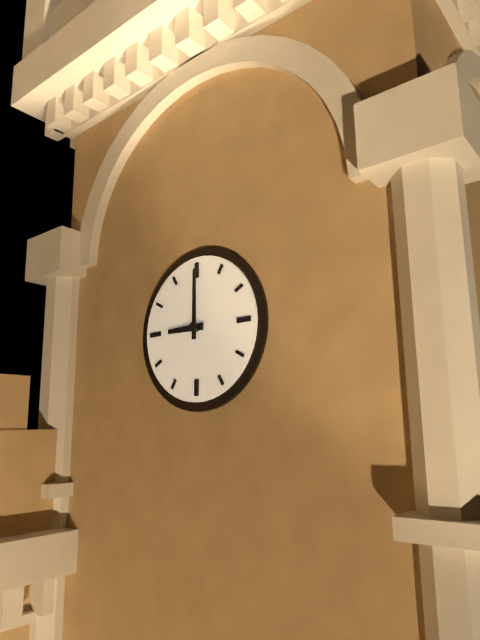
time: 9:00
